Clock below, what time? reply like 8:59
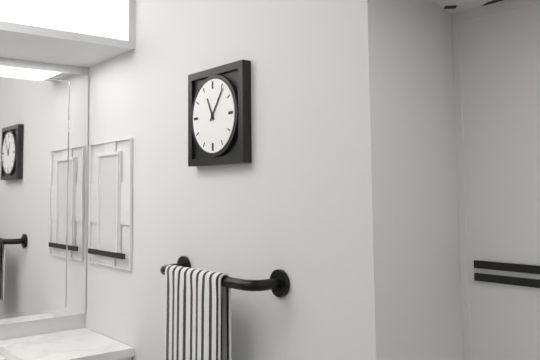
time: 11:06
